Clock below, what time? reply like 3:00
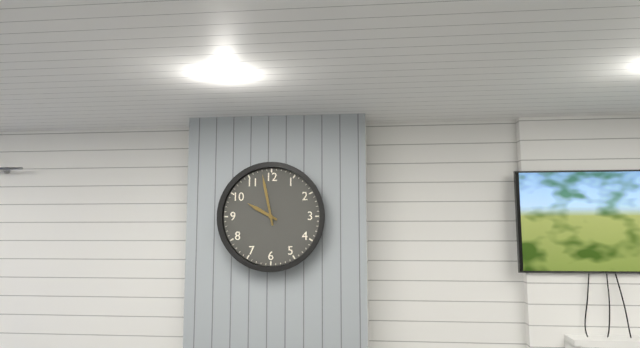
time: 9:58
